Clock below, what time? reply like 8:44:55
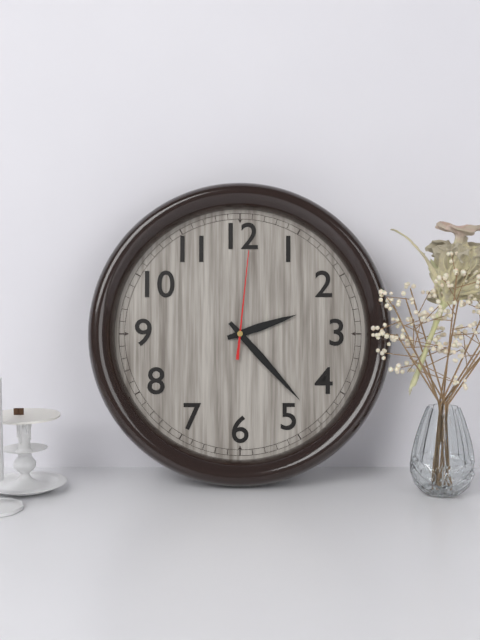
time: 2:23:01
